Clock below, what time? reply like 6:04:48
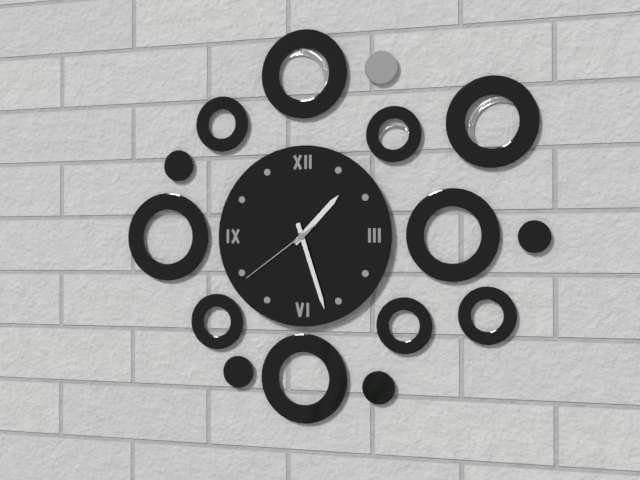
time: 1:27:39
